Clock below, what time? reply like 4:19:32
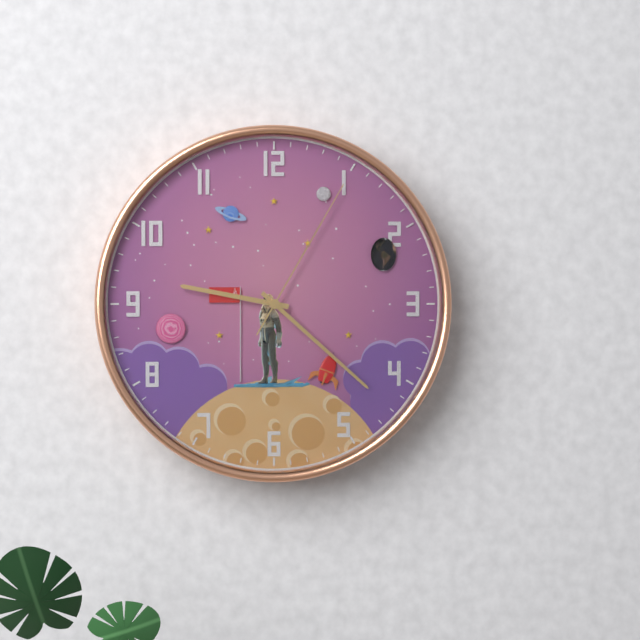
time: 9:22:05
